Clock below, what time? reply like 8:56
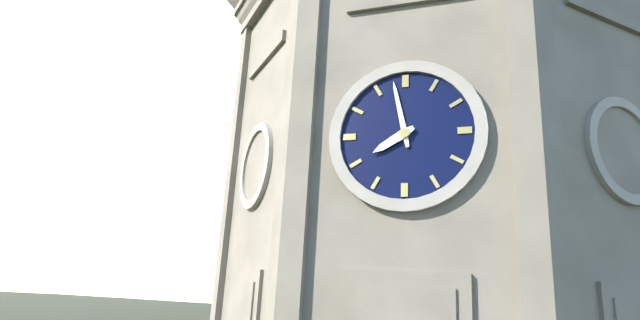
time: 7:58
